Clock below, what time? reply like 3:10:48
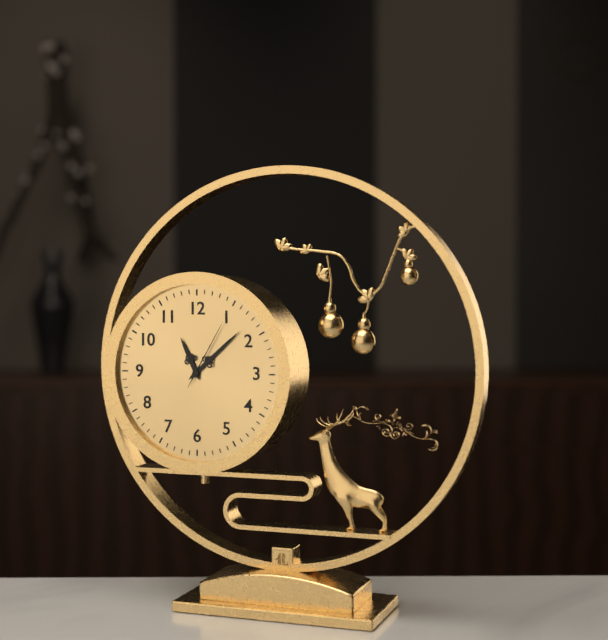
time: 11:08:05
